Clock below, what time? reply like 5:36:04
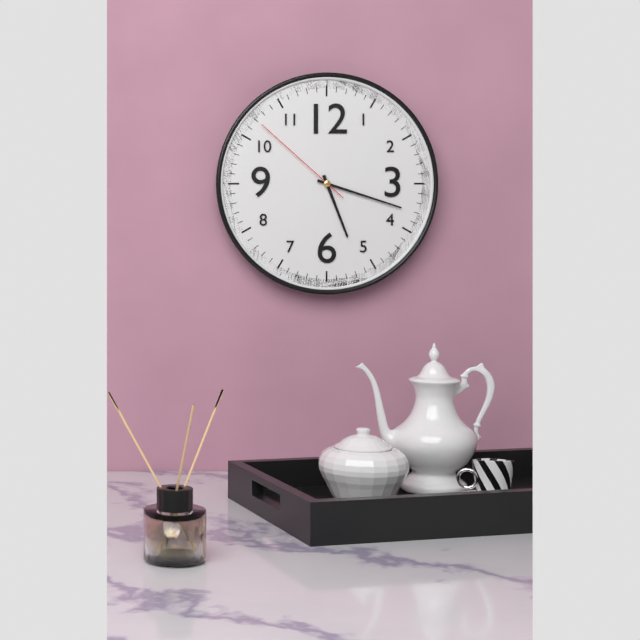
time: 5:18:52
